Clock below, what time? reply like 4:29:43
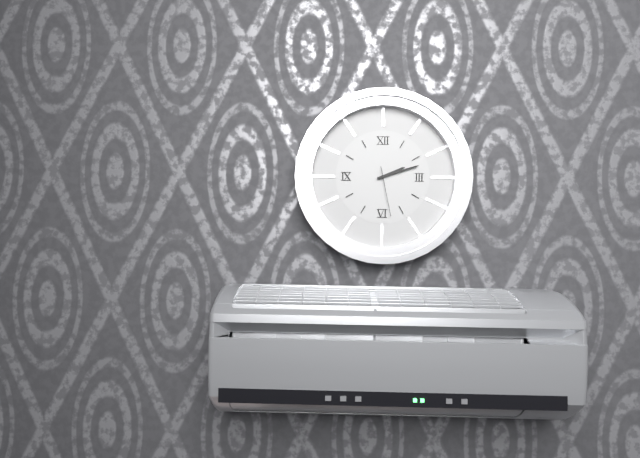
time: 2:12:28
